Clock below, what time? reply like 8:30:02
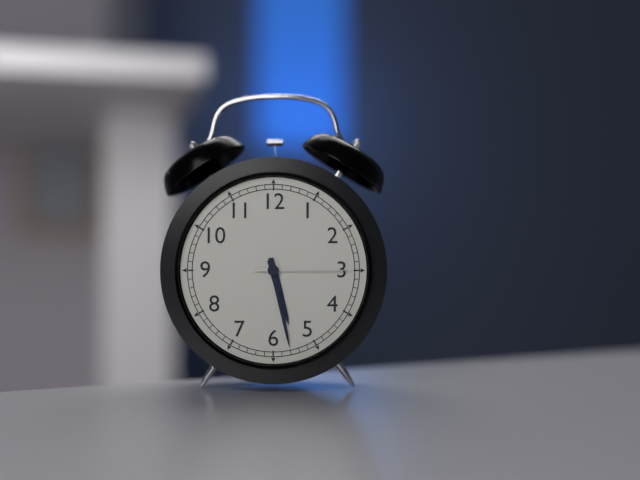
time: 5:28:15
